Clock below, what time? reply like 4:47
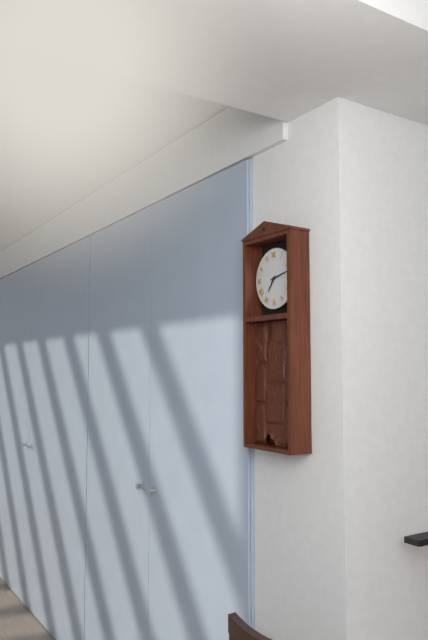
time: 7:13
